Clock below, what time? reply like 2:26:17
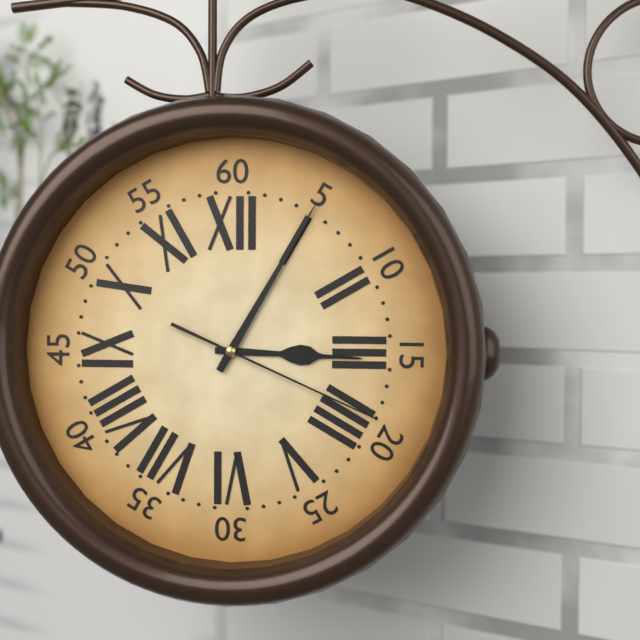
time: 3:05:19
